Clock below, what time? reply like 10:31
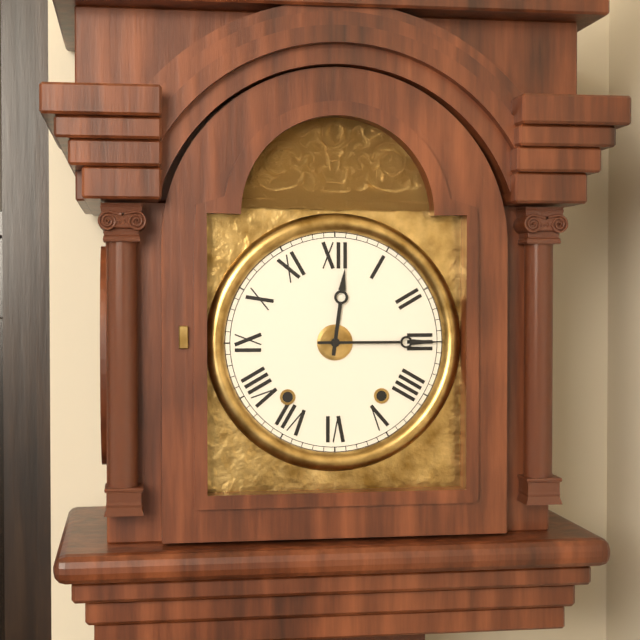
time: 12:15
